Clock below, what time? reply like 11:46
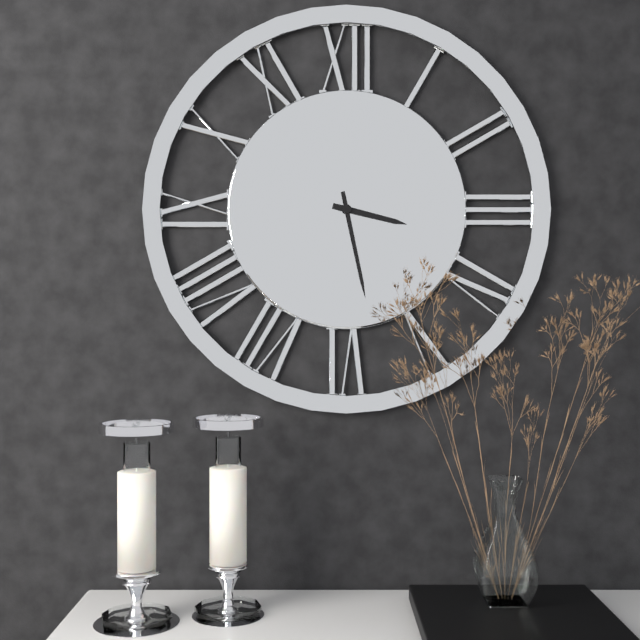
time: 3:28
